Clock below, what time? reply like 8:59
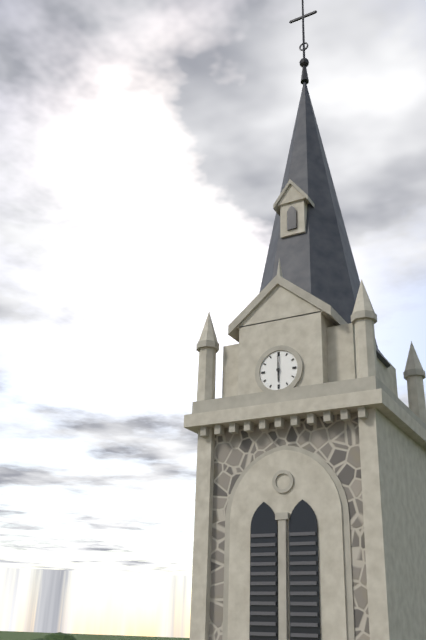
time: 6:00
